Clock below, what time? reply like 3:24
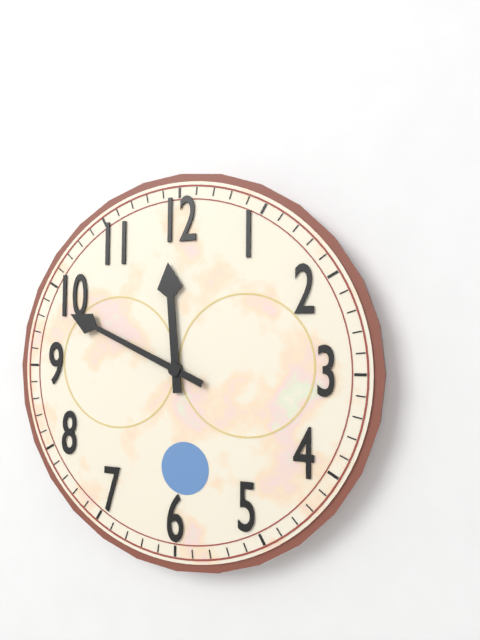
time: 11:49
